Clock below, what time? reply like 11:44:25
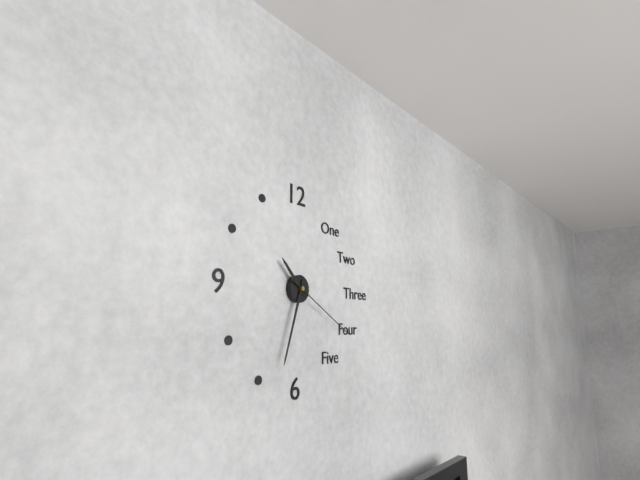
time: 10:33:20
